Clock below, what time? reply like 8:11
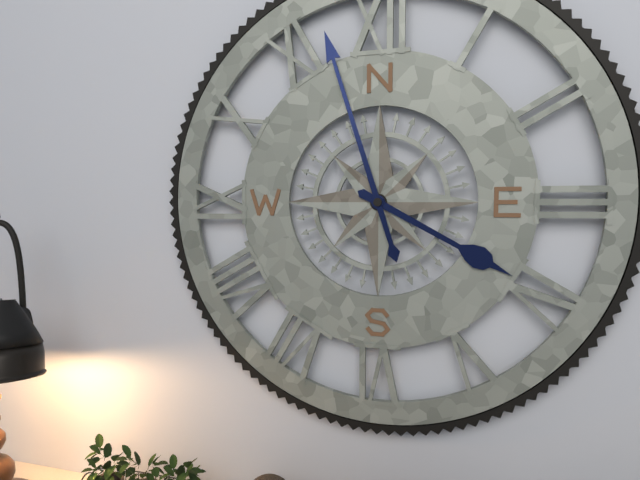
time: 3:57
